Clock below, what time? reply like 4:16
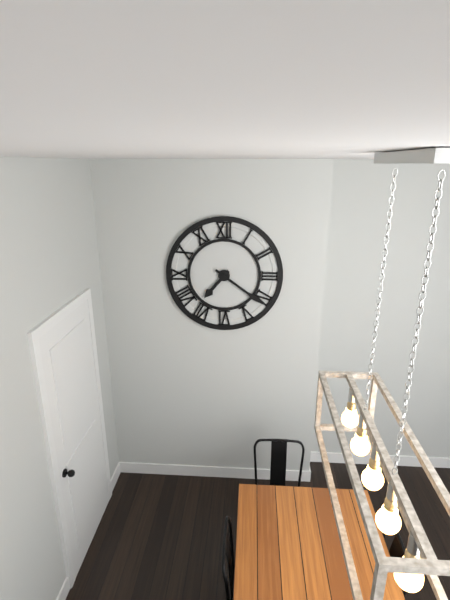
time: 7:21
